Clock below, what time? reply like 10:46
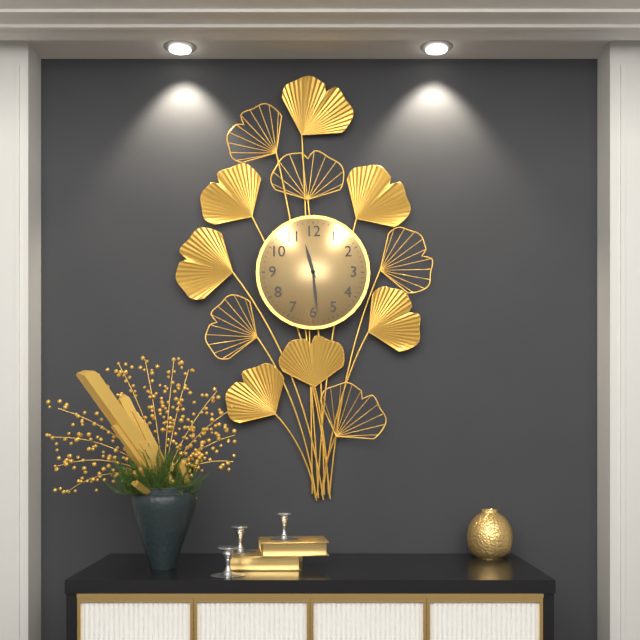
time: 11:29
